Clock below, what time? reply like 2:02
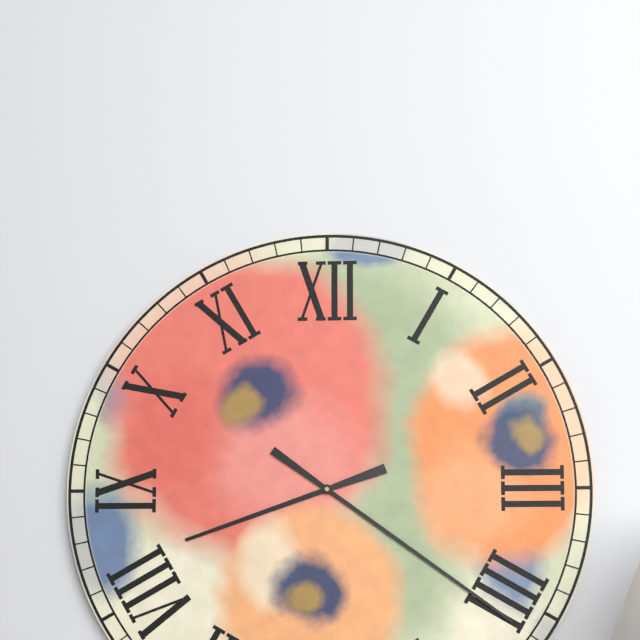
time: 8:21
